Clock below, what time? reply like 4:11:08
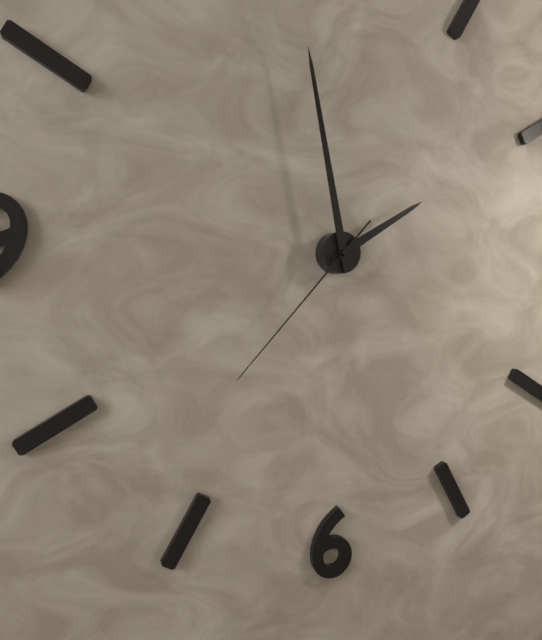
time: 1:58:37
